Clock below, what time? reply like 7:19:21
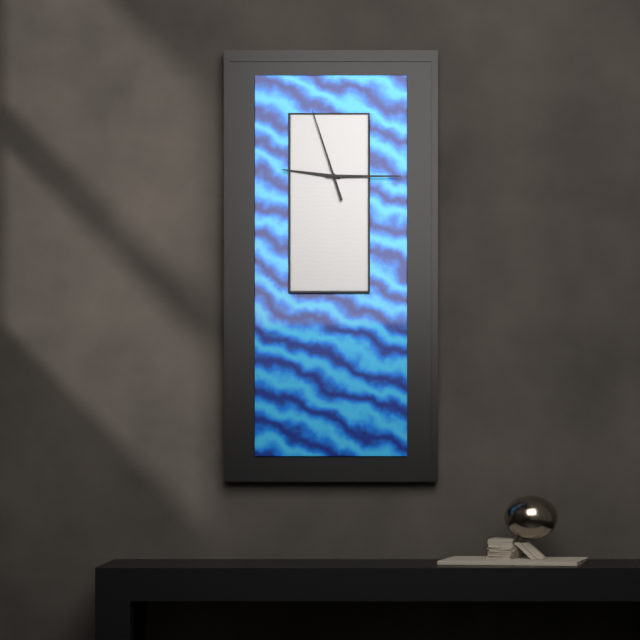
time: 9:15:57
